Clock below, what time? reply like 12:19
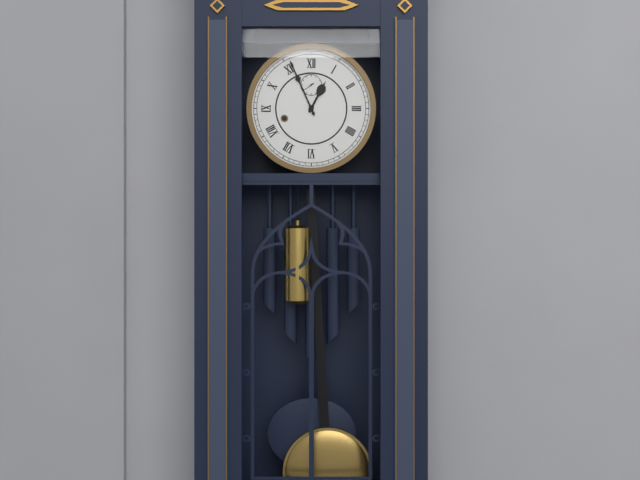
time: 12:56
